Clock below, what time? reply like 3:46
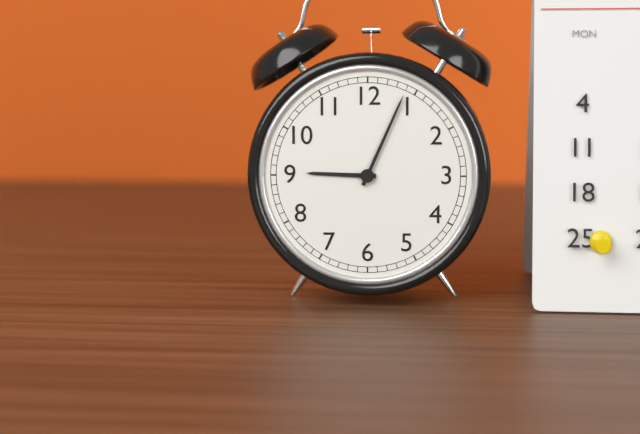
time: 9:04
